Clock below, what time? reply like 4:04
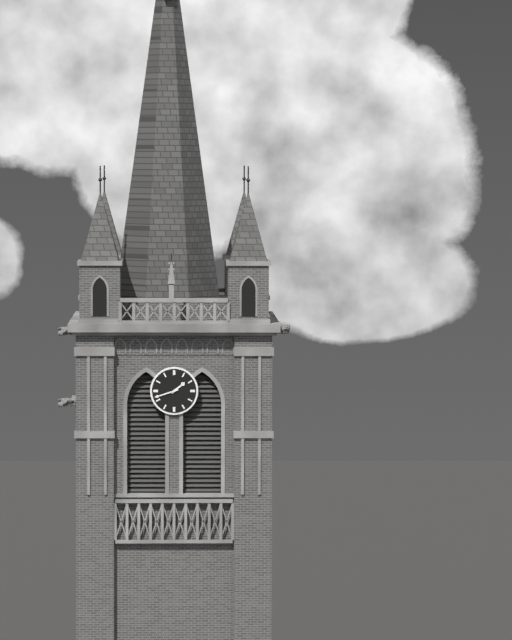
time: 1:42
